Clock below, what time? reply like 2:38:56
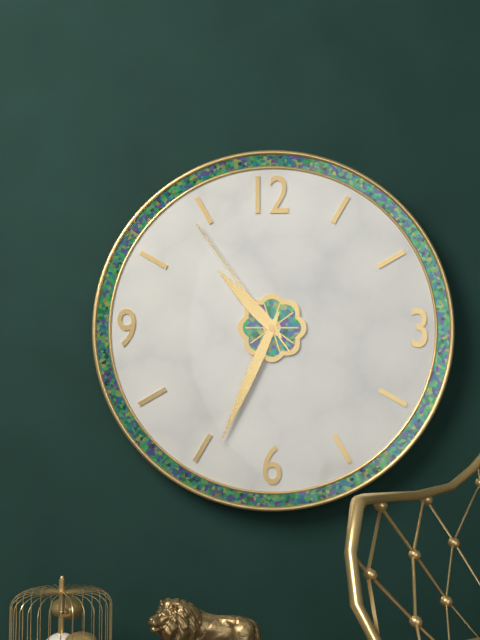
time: 10:34:54
